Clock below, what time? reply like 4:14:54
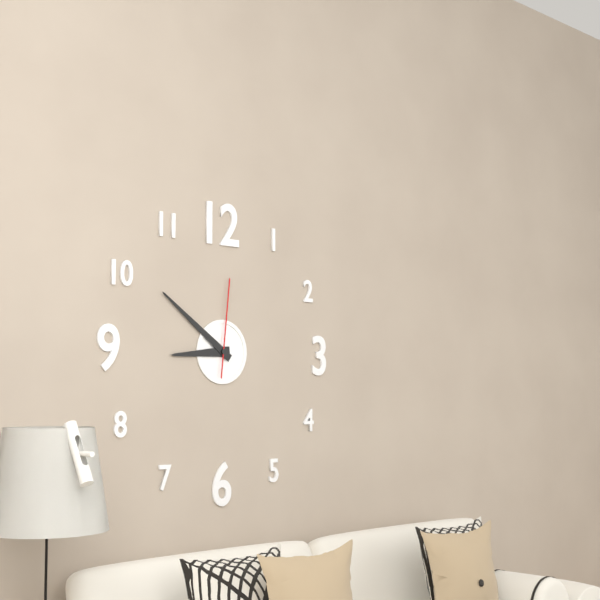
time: 8:51:01
